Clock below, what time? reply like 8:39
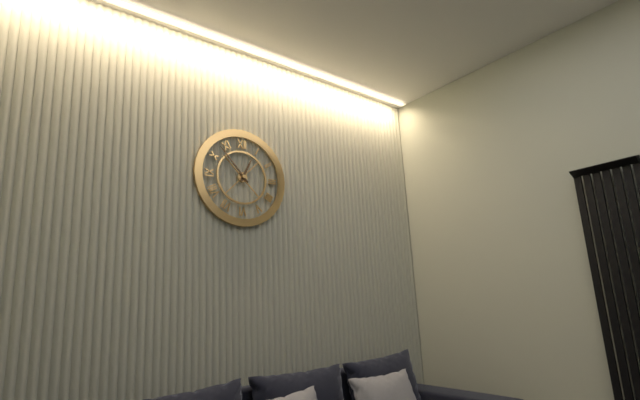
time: 12:53
